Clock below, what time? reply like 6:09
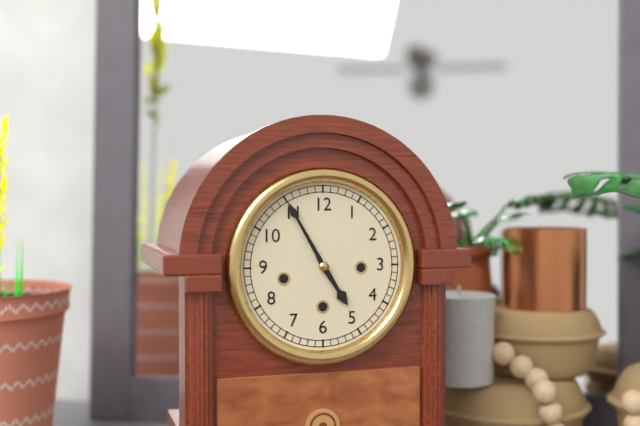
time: 4:55
